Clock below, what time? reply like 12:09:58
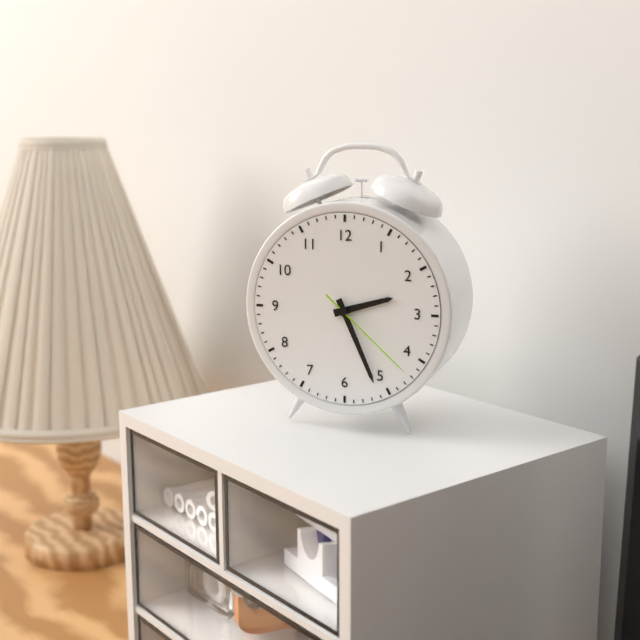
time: 2:26:22
